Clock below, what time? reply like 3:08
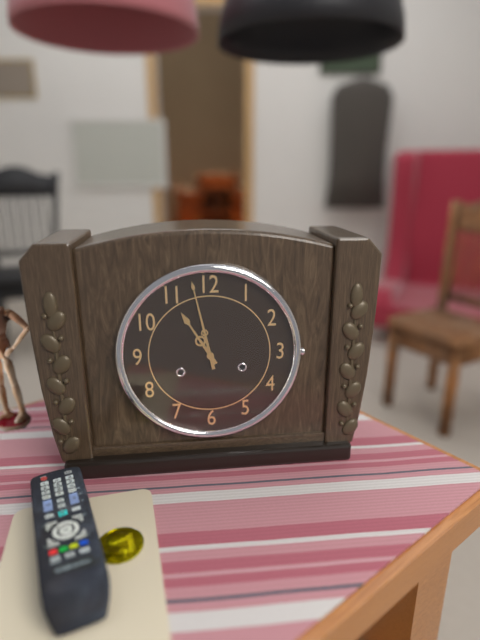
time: 10:58
